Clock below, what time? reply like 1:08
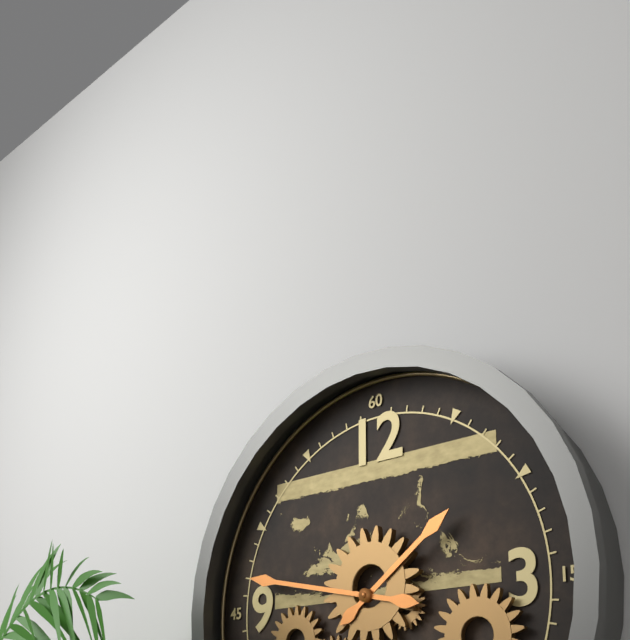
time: 1:47
